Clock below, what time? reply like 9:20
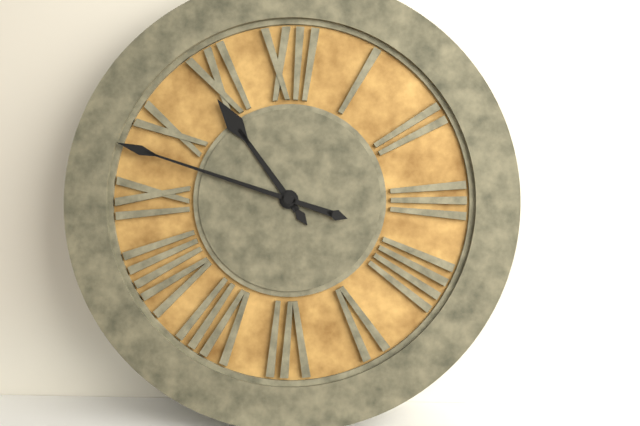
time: 10:48
